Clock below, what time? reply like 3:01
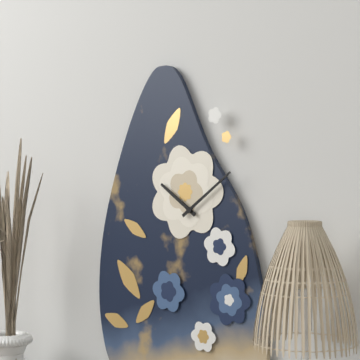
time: 10:09
